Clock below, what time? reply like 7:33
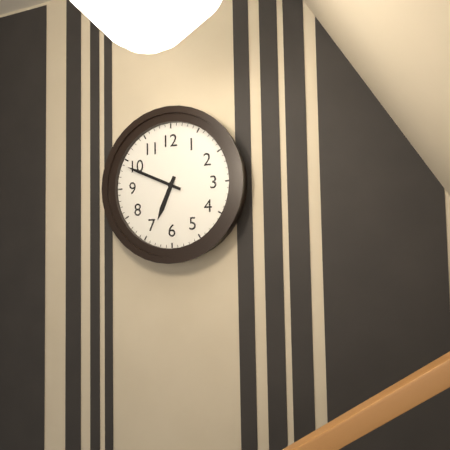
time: 6:49
